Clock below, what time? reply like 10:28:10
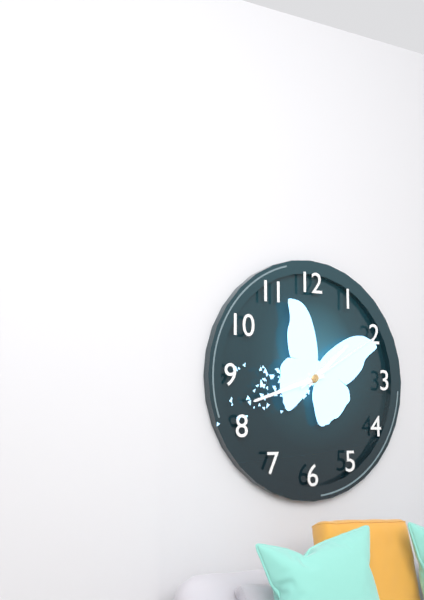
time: 1:42:10
